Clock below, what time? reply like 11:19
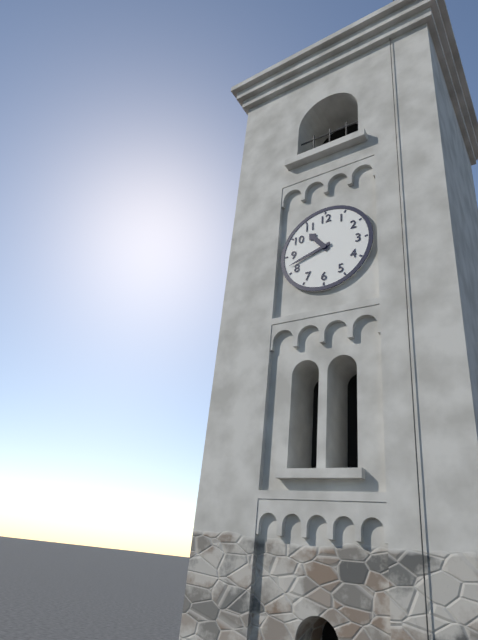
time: 10:42
